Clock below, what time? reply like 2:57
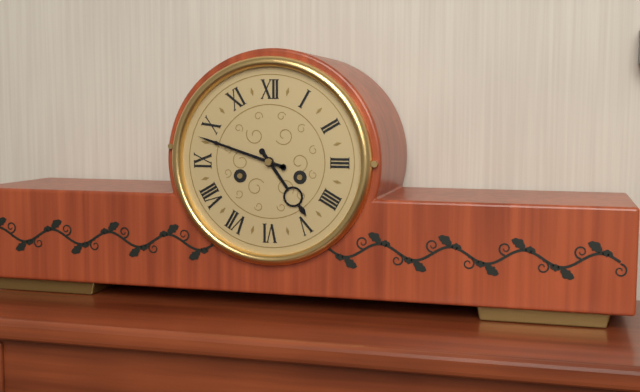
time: 4:48
